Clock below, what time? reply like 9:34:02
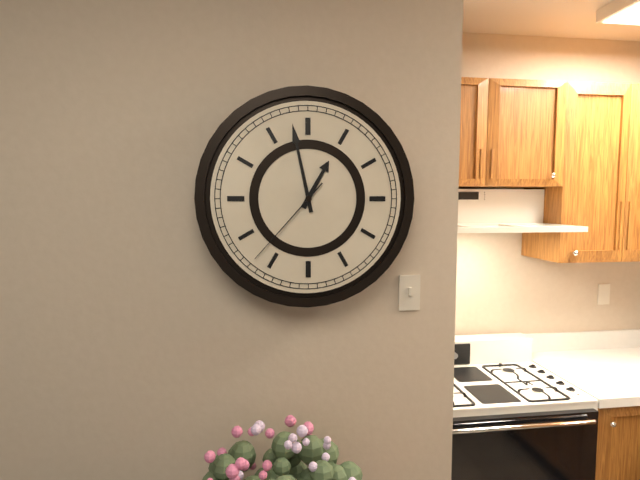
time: 12:58:37
